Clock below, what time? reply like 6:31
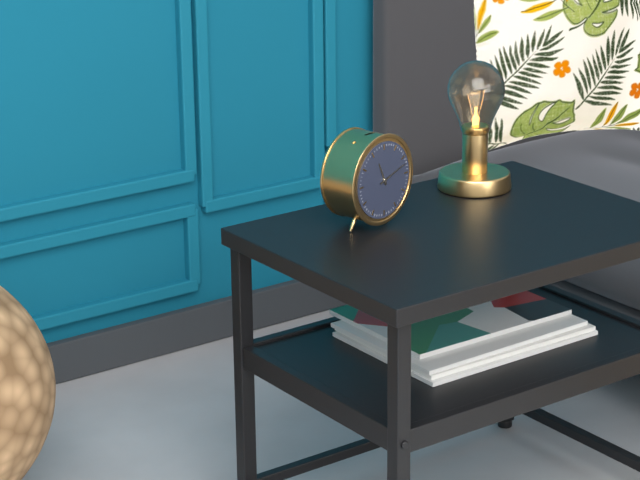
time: 11:12
